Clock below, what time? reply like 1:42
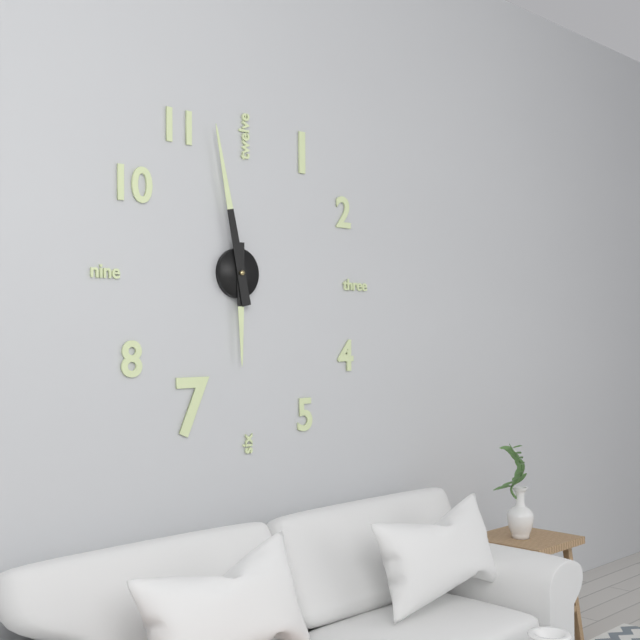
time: 5:58
